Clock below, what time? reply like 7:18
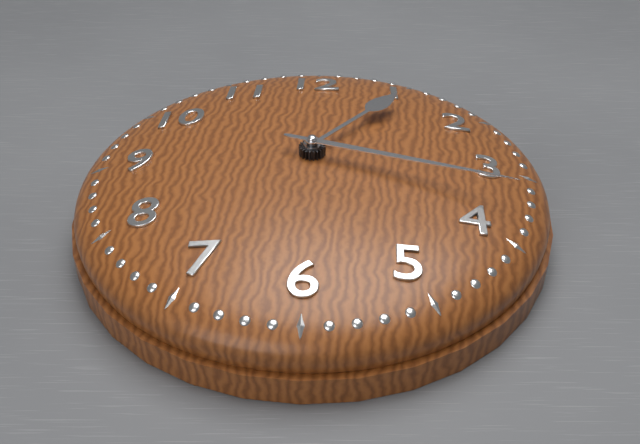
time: 1:18
